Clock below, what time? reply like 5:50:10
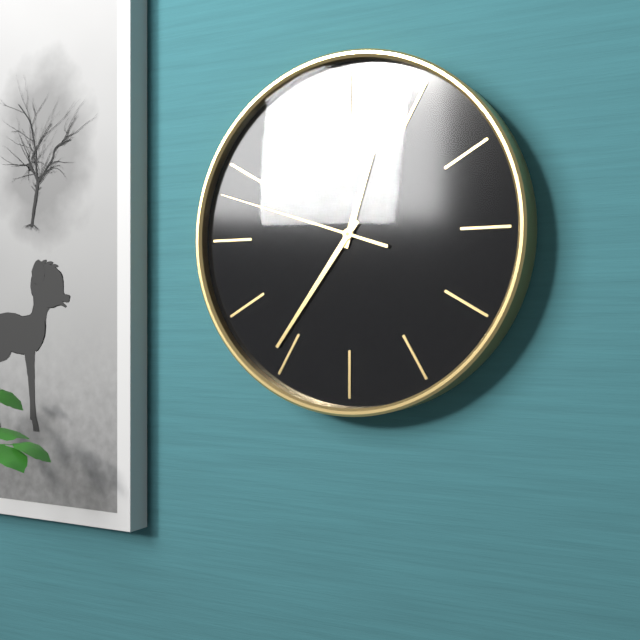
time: 12:36:48
